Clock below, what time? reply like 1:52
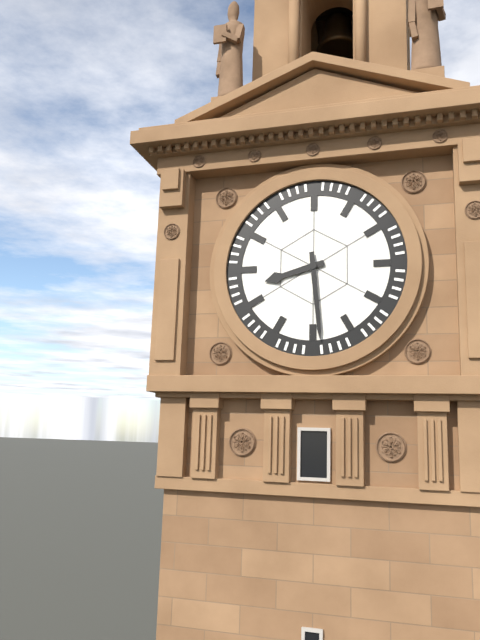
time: 8:29
